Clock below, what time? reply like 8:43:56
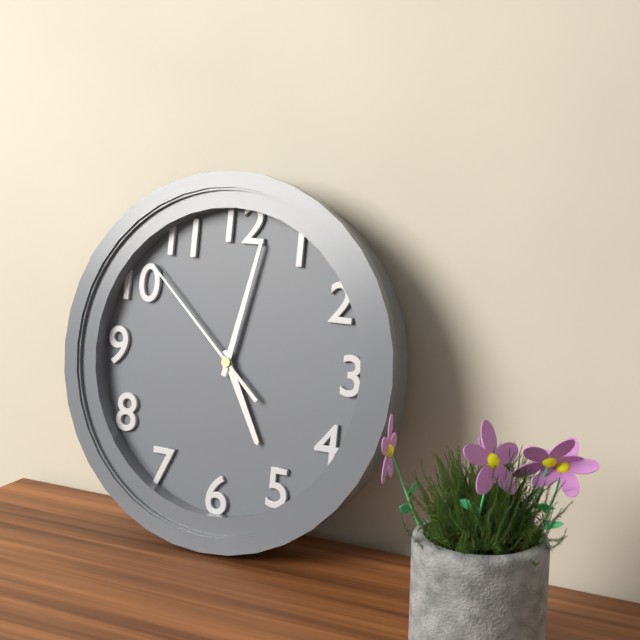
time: 5:02:52
